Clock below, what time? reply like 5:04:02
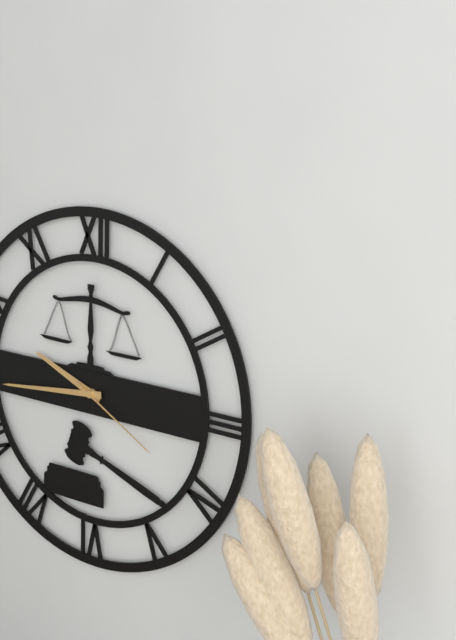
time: 9:44:20
